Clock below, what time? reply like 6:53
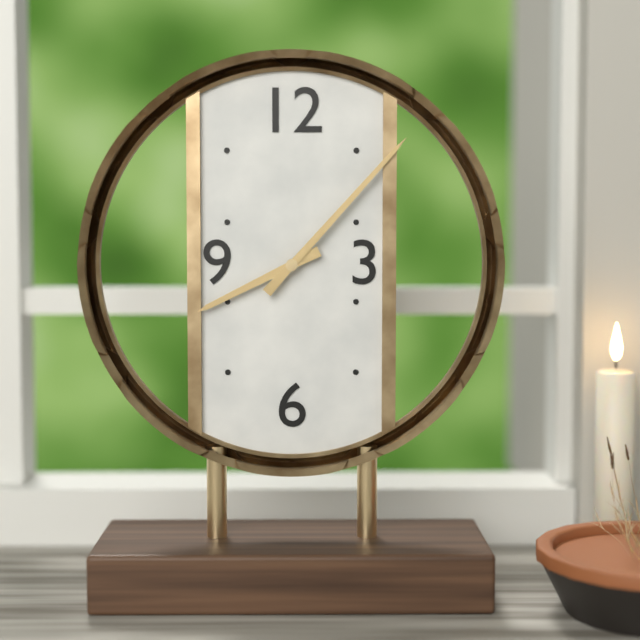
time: 8:07
